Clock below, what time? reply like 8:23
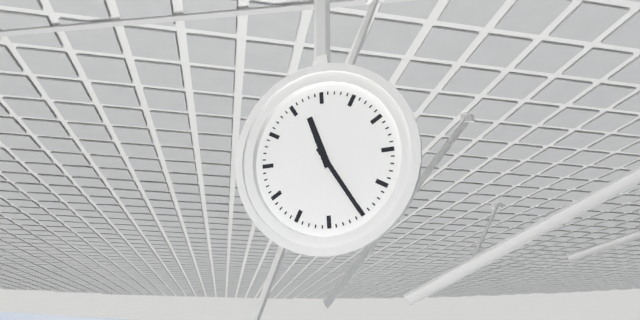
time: 11:25
